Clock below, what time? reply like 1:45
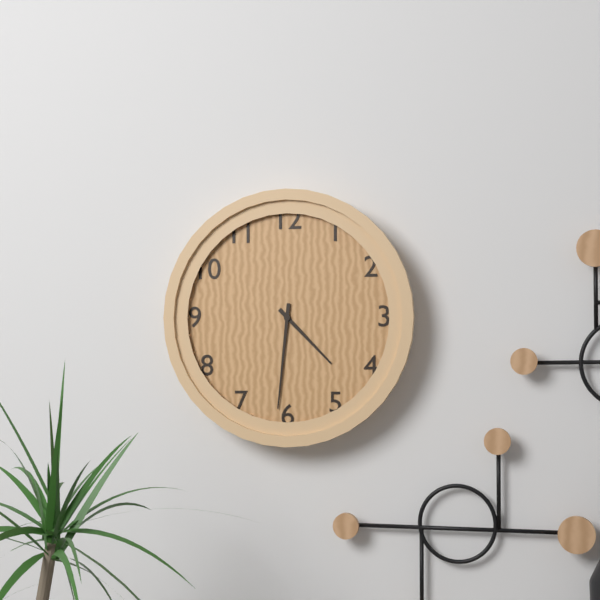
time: 4:31
